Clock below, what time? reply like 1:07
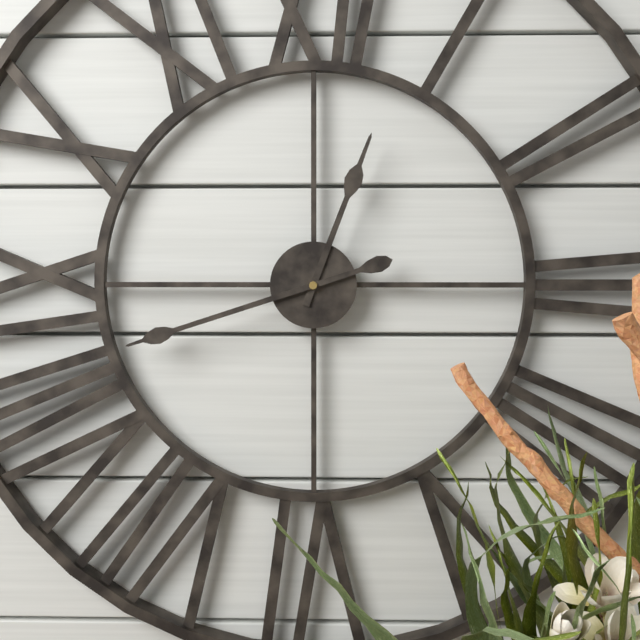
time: 12:42
